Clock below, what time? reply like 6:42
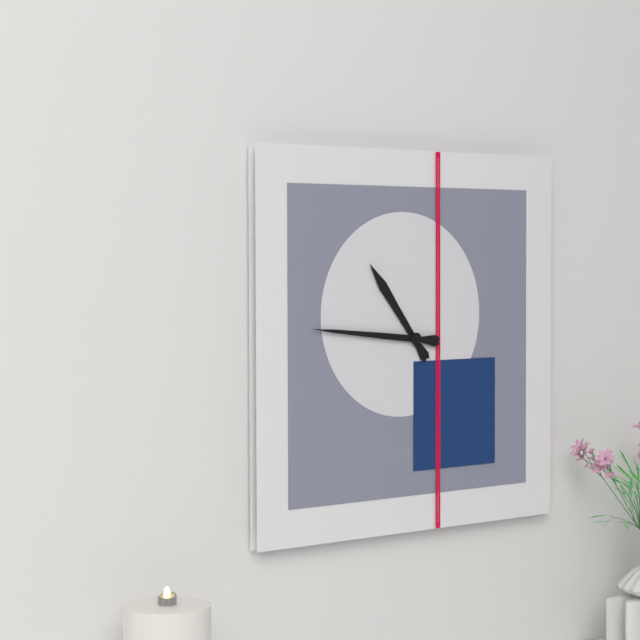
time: 10:46
